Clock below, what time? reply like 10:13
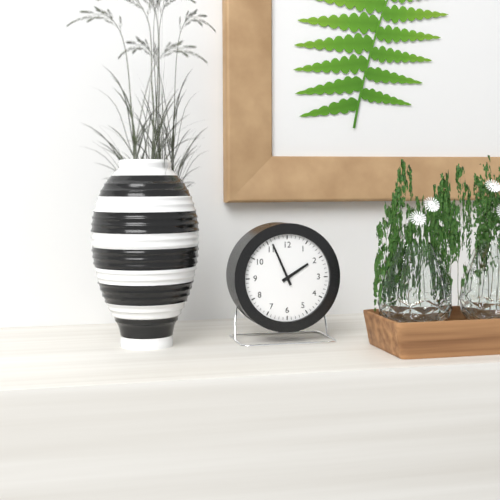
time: 1:56
